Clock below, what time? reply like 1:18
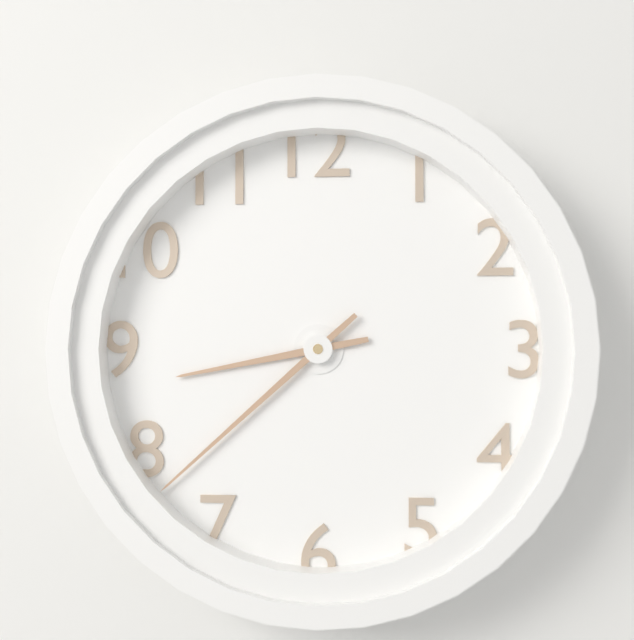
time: 8:38
